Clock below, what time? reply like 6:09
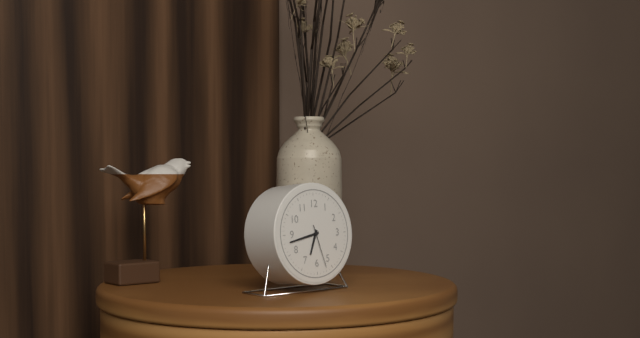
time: 6:43
